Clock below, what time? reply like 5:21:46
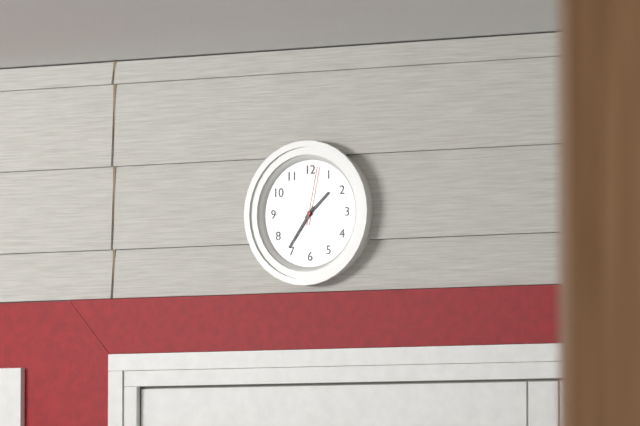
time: 1:36:02
